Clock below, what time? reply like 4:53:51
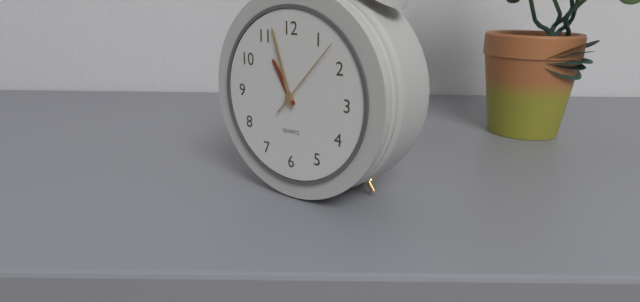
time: 10:57:07
